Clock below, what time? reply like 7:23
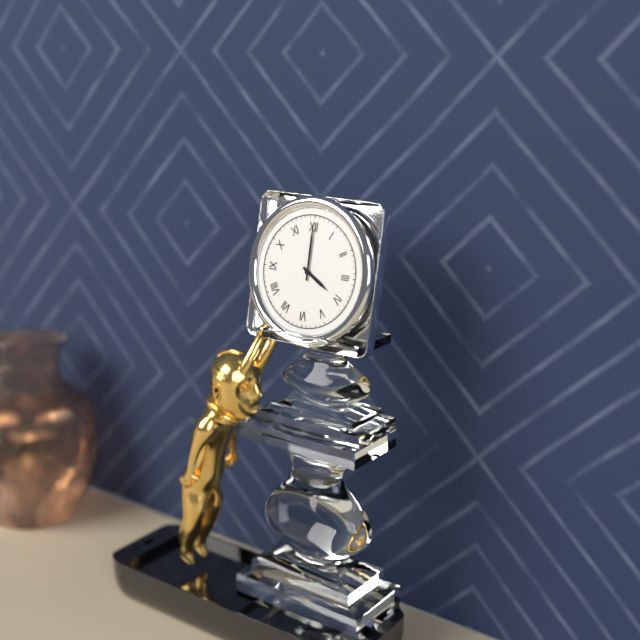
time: 4:00
